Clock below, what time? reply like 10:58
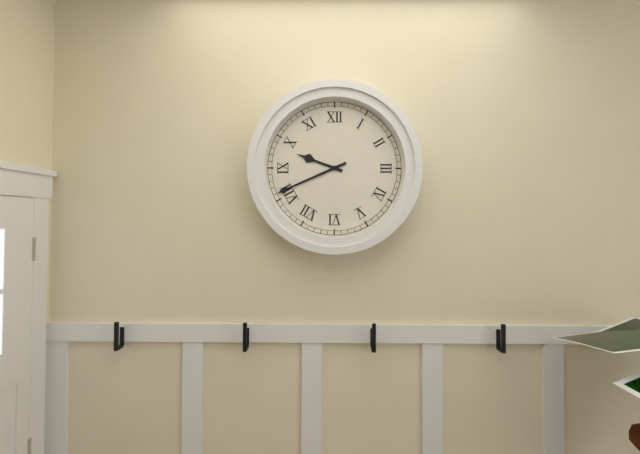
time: 9:41
